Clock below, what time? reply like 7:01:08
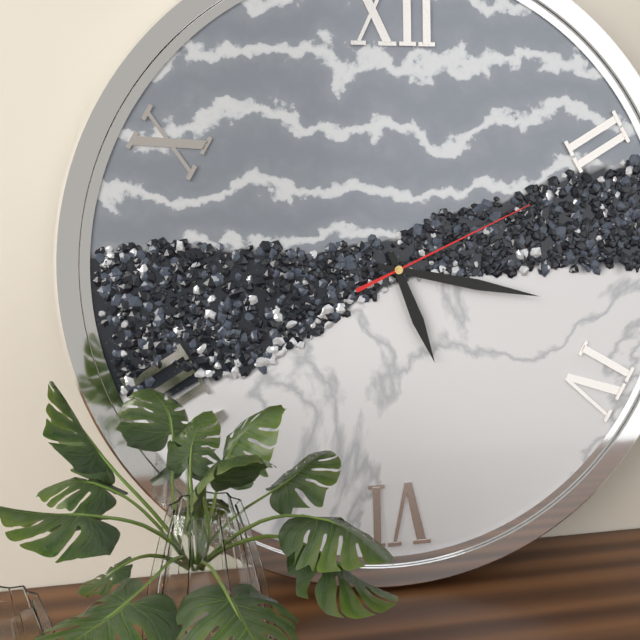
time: 5:17:11
